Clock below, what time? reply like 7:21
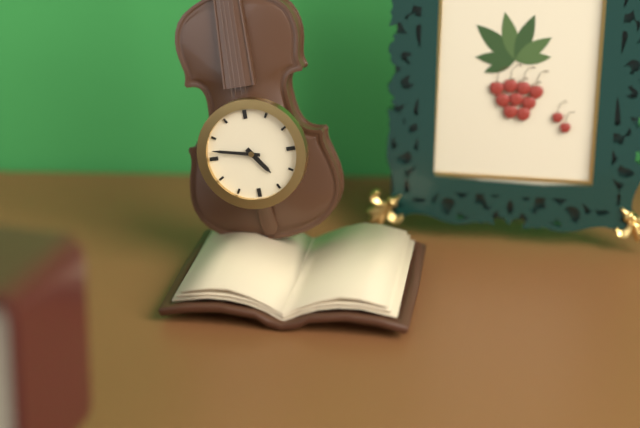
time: 4:47
